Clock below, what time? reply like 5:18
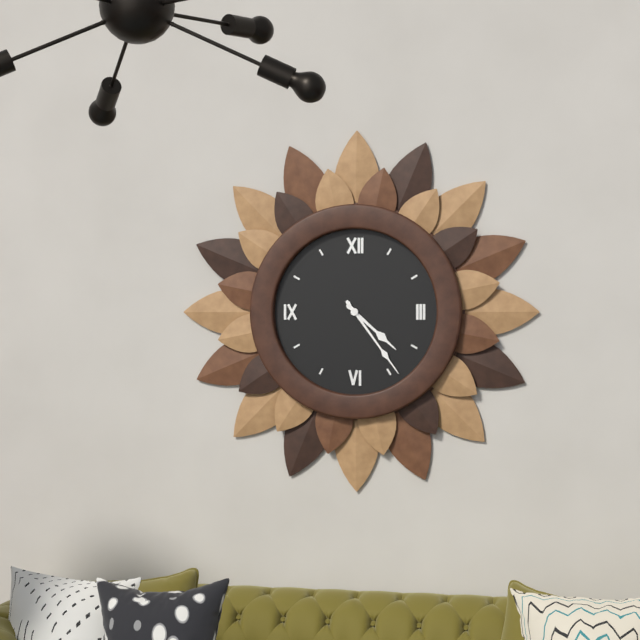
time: 4:24
